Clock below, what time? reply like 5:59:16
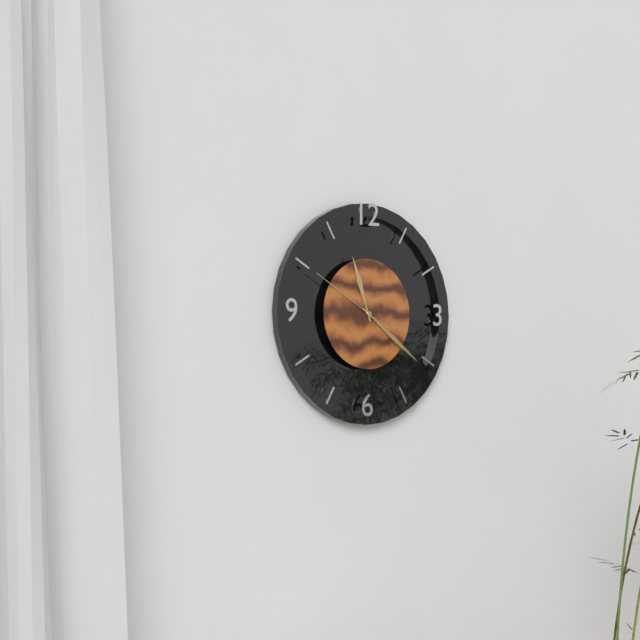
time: 11:21:50
